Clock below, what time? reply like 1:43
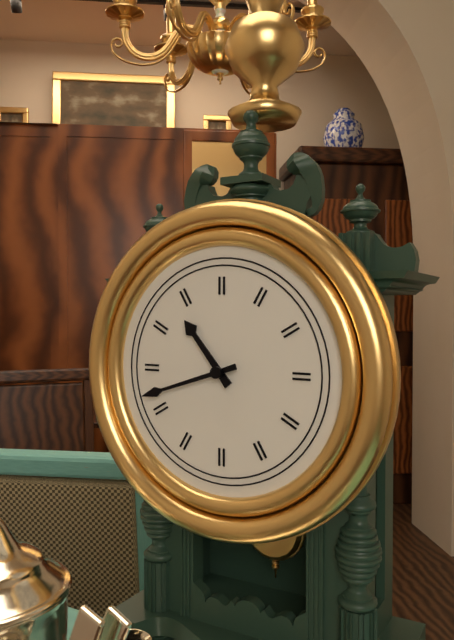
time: 10:42
